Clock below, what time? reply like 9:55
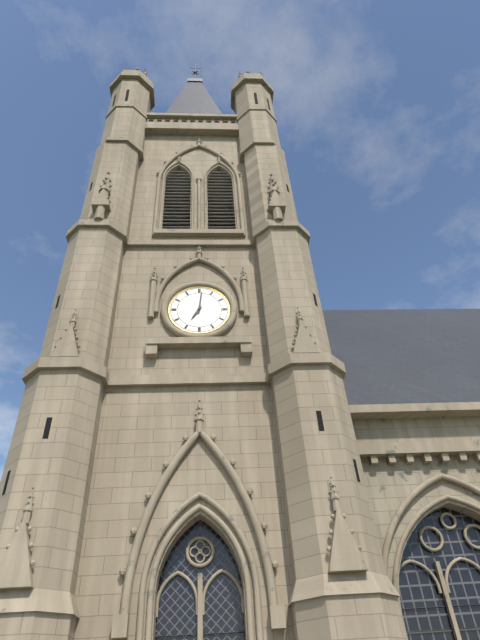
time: 7:01
